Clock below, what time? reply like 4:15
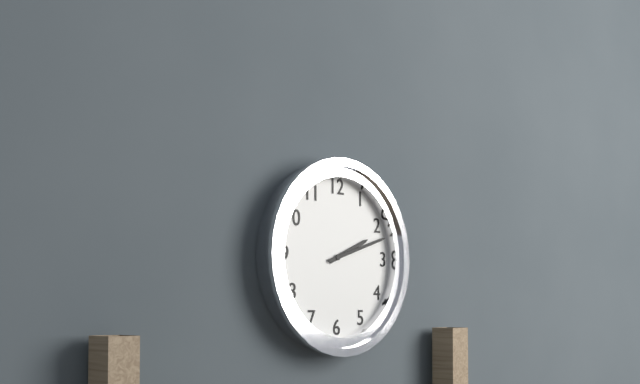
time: 2:12
